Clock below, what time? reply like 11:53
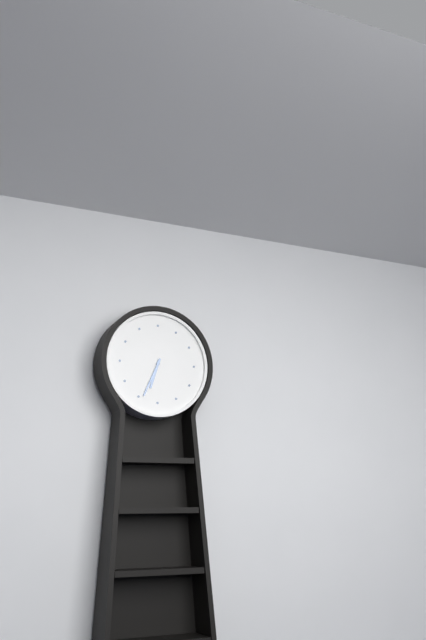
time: 6:34
